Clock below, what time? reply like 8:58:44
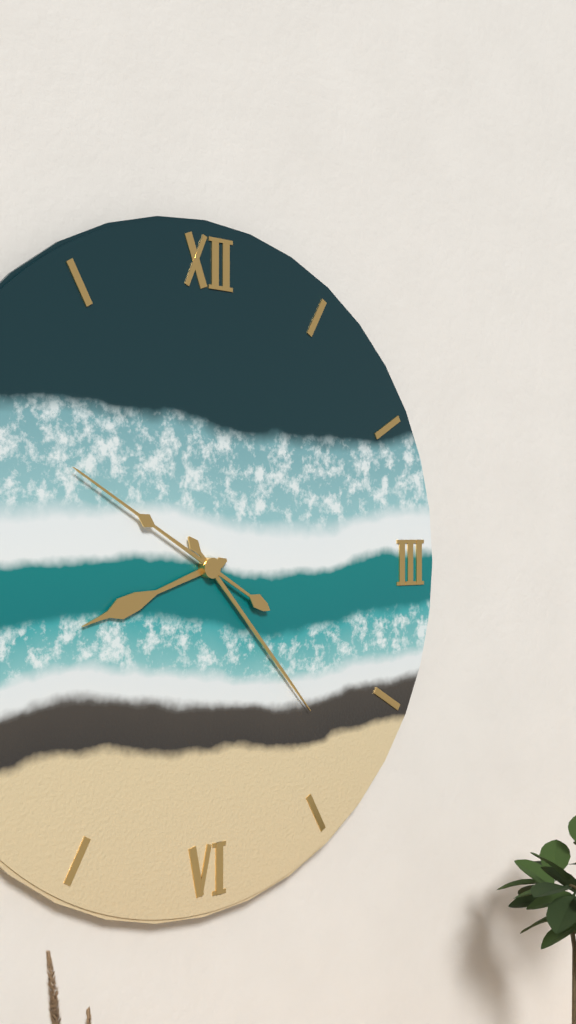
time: 8:23:50
